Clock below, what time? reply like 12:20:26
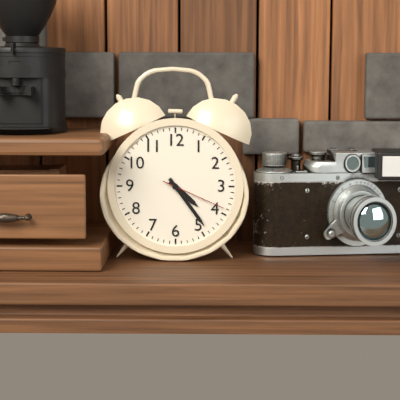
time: 4:24:19
